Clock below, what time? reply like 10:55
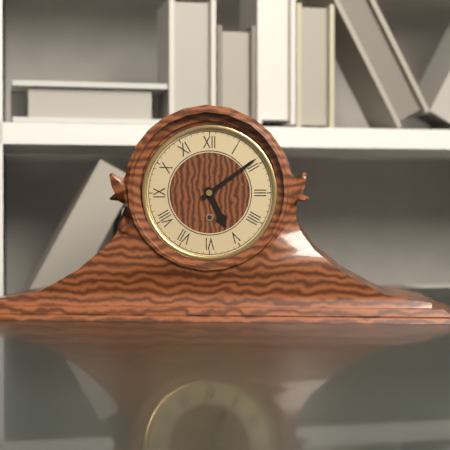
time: 5:09
